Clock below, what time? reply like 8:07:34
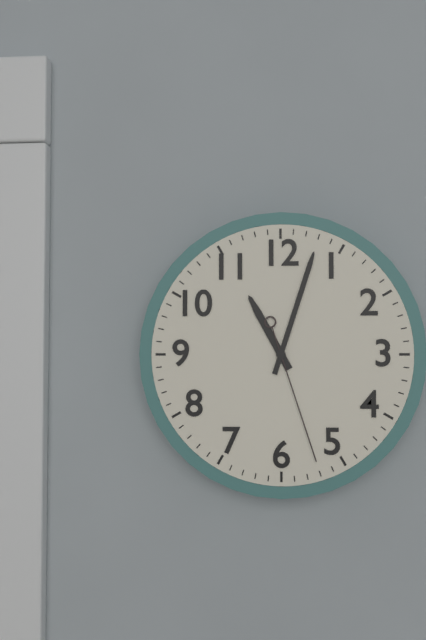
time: 11:03:27
